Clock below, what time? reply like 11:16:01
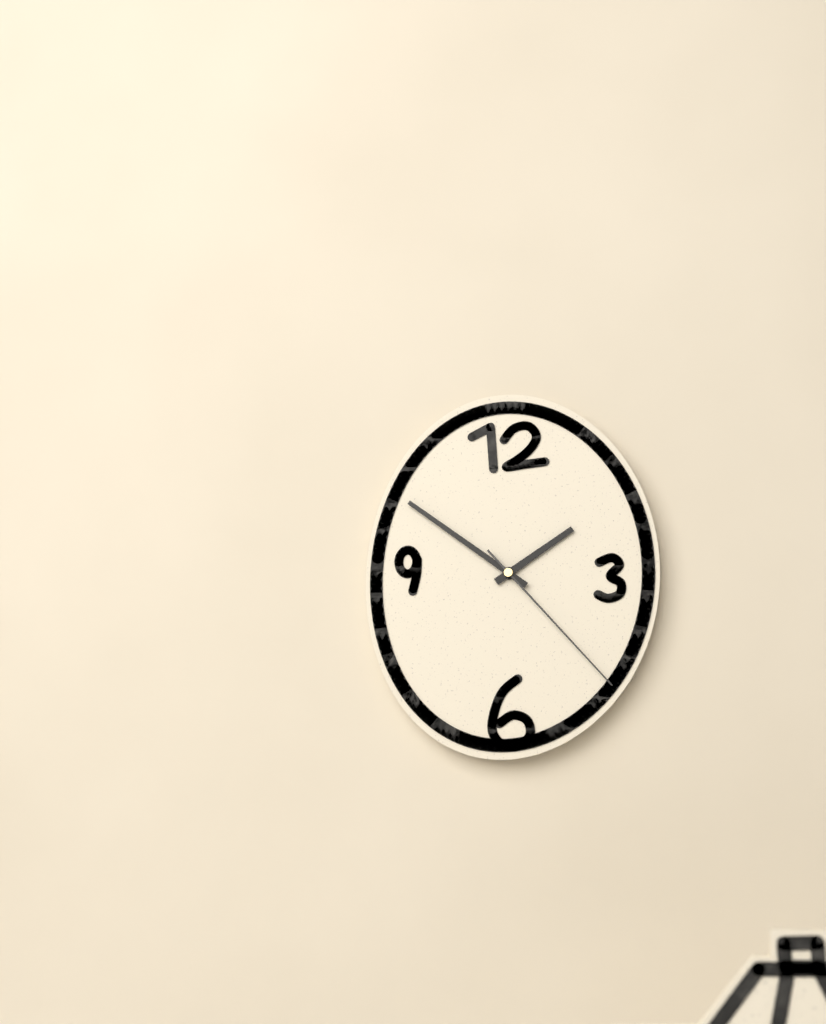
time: 1:51:23
